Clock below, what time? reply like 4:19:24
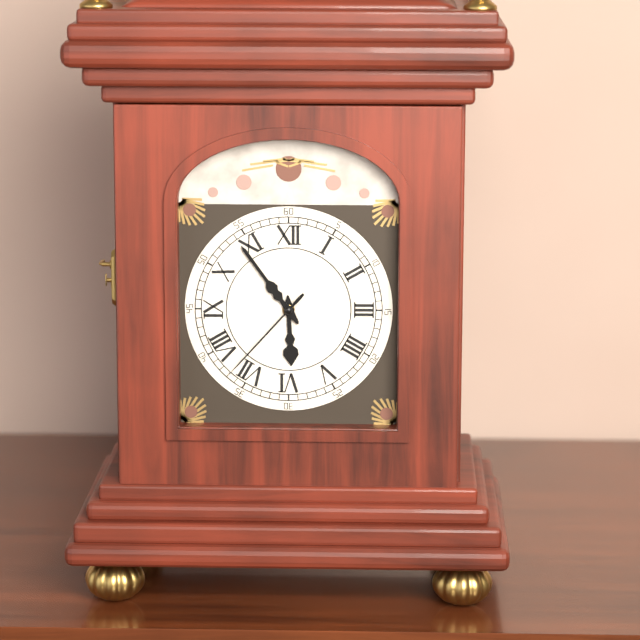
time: 5:54:37
